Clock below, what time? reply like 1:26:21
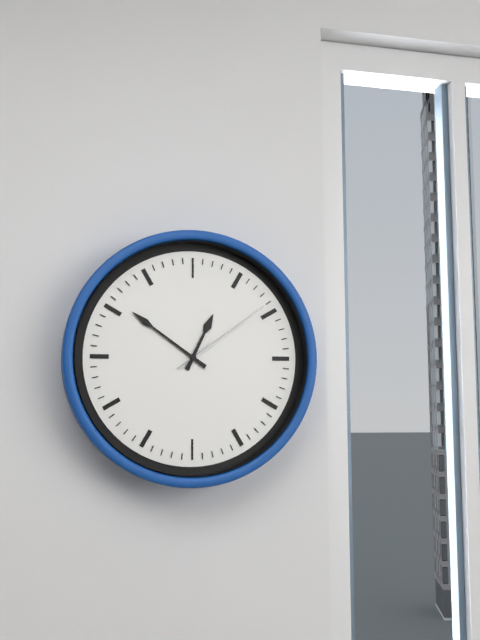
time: 12:51:09
